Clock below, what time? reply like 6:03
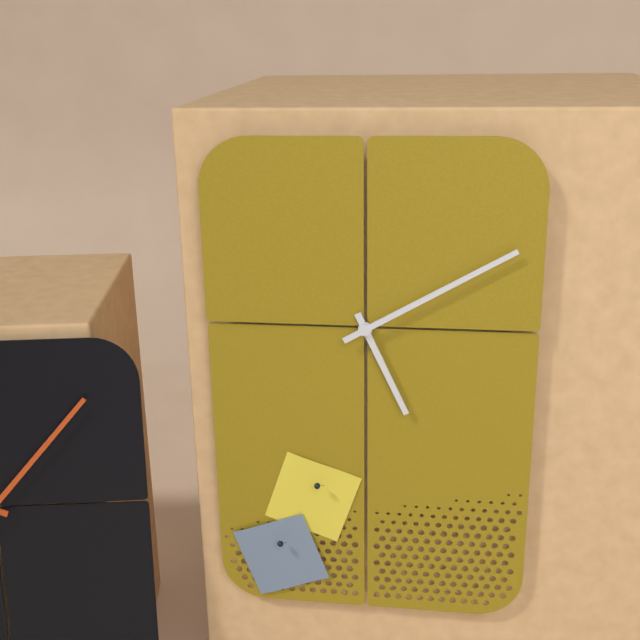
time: 5:10
